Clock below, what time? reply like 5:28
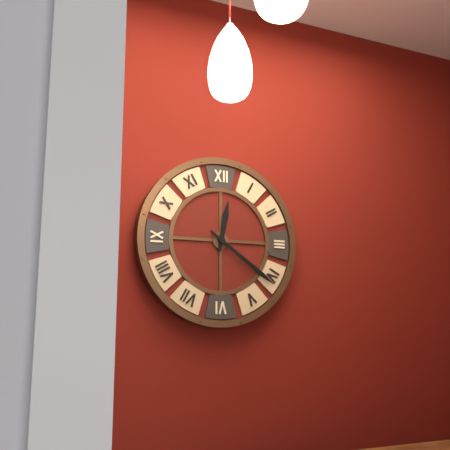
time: 12:21
